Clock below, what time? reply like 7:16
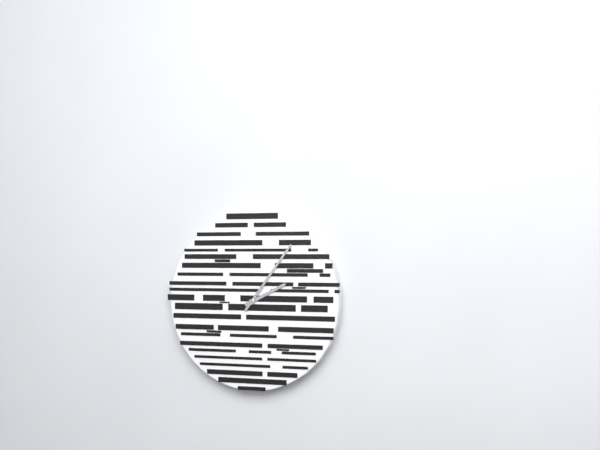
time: 2:06
